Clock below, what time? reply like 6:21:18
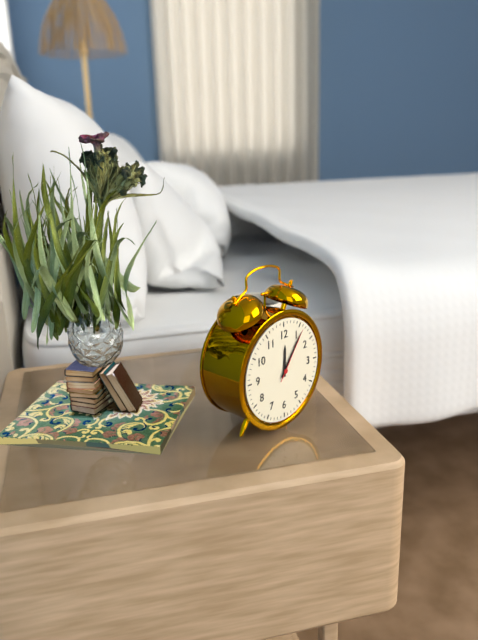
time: 12:06:06
